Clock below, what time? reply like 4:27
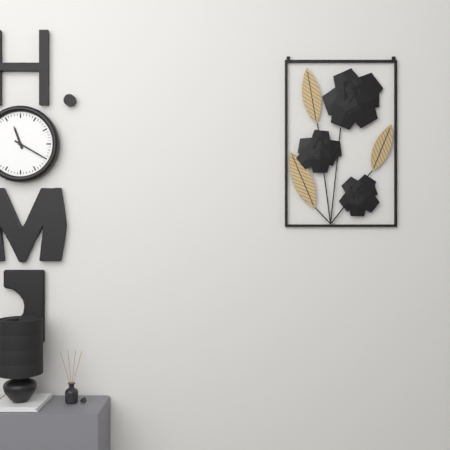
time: 11:20
